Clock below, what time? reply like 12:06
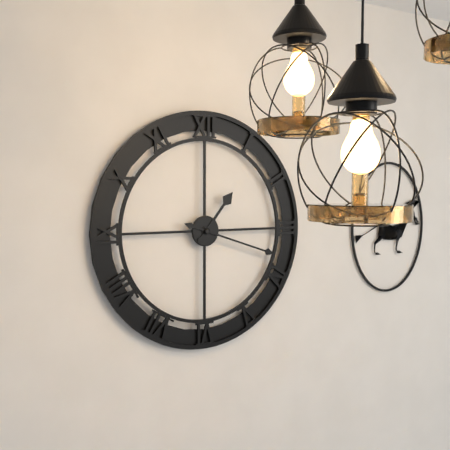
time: 1:18
